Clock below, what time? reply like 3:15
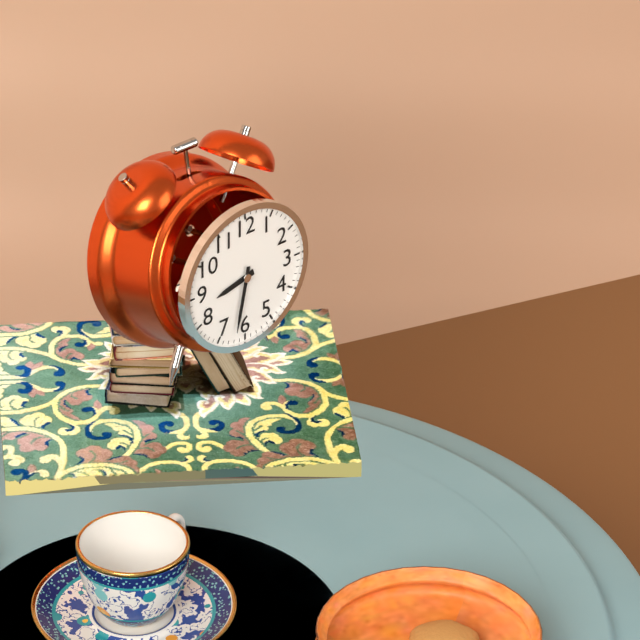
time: 8:32
